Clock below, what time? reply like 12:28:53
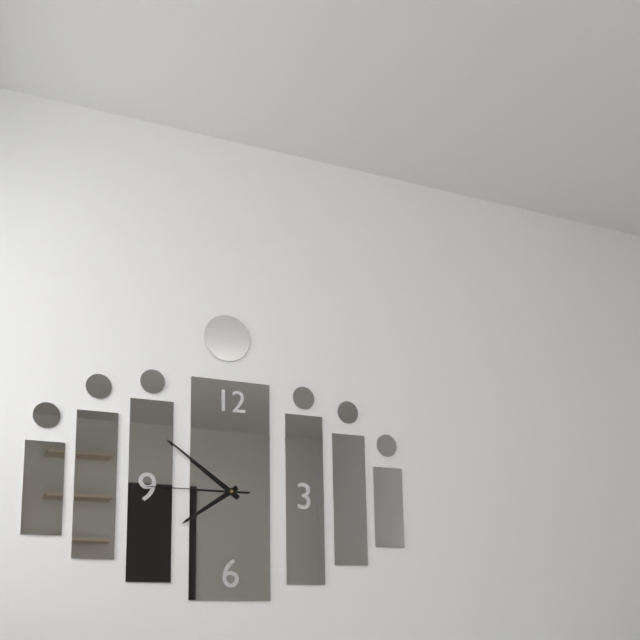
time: 7:51:45
